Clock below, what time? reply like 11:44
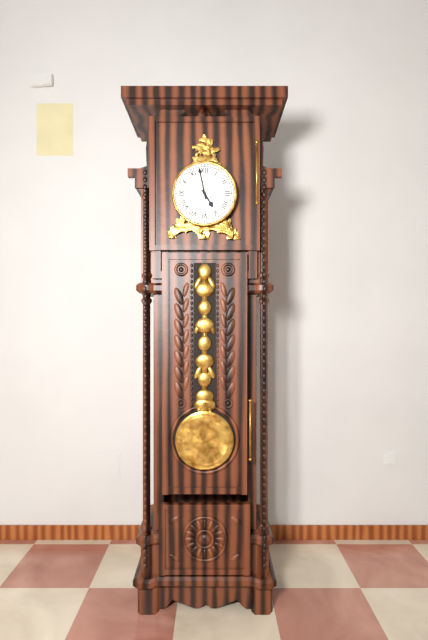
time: 4:58
